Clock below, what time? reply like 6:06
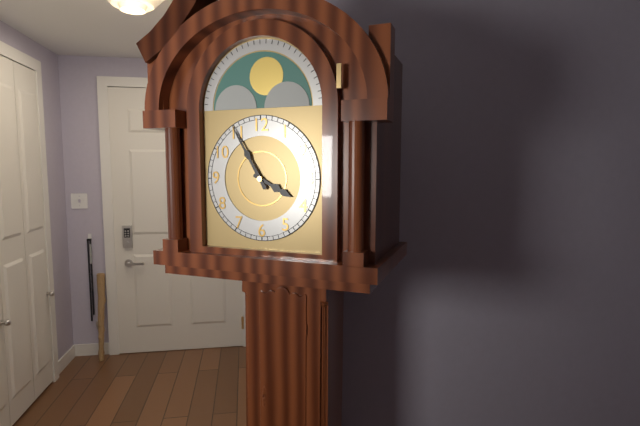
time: 3:55
